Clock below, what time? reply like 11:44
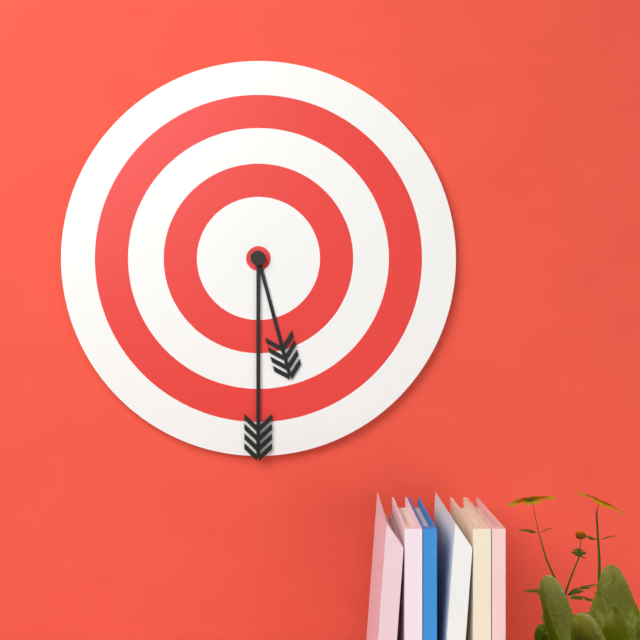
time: 5:30
